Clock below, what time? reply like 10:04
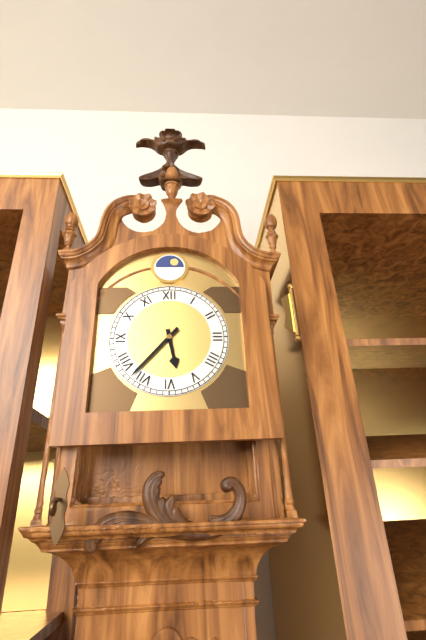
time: 5:37
